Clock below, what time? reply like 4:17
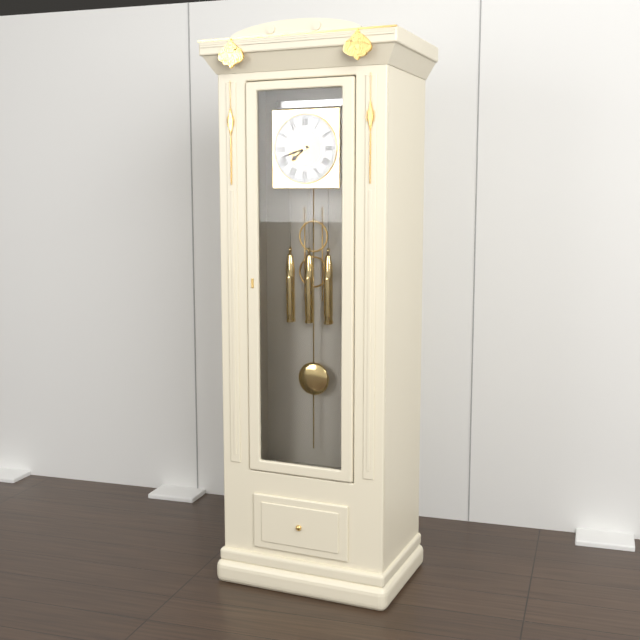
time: 7:42
